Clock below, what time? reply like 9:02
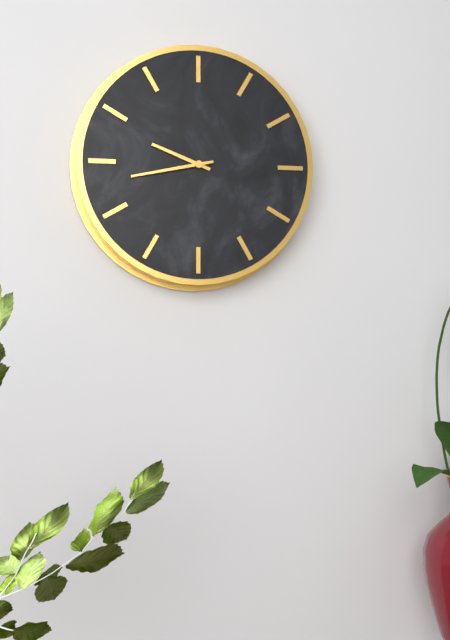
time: 9:43
